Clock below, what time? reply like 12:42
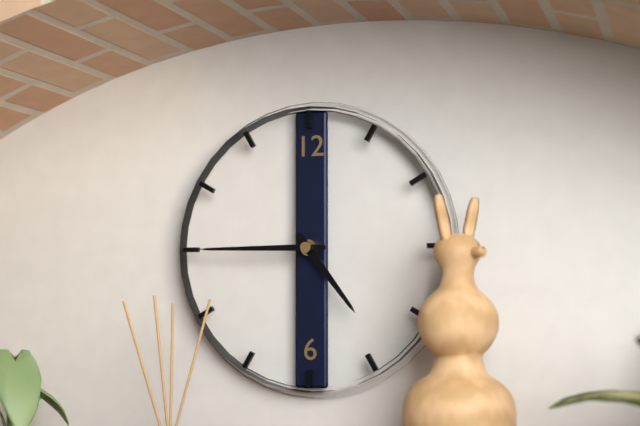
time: 4:45
